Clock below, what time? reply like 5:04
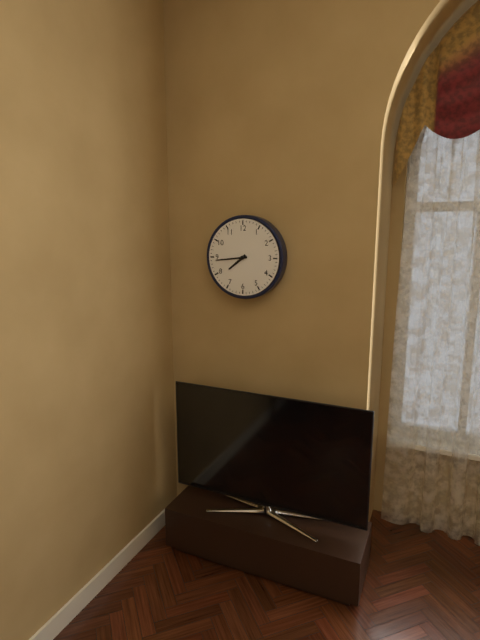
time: 7:44
